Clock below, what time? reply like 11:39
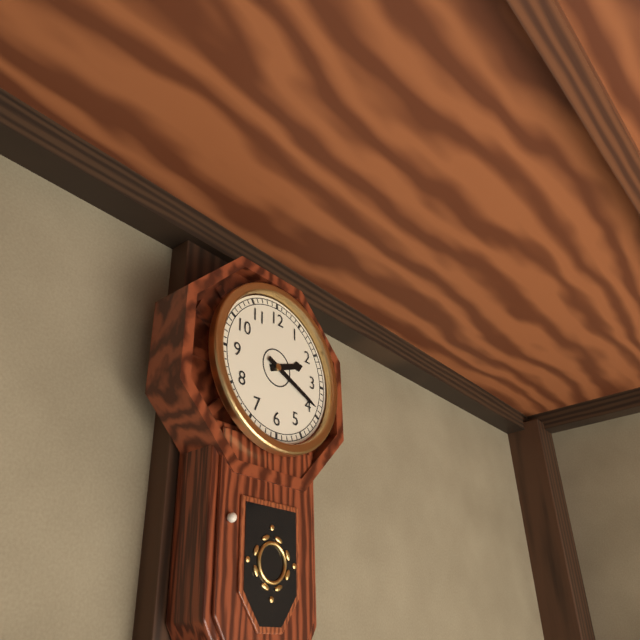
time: 2:19
